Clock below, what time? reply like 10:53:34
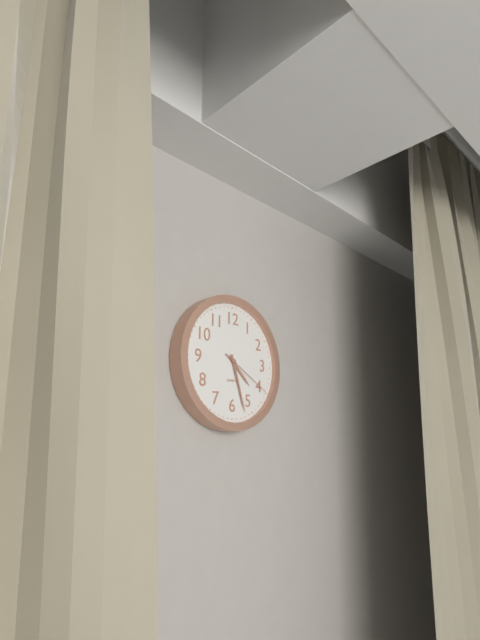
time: 4:27:20
